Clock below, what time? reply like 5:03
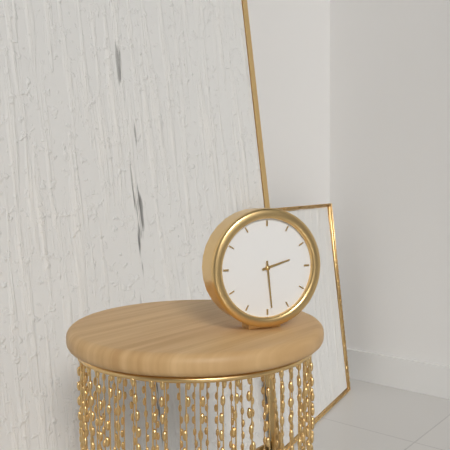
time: 2:29
